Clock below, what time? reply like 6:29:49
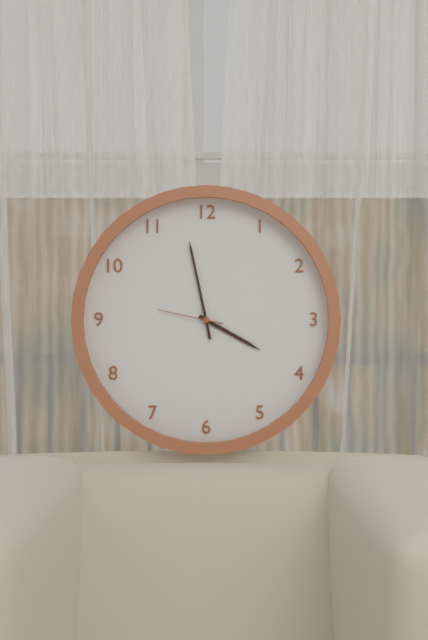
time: 3:58:47
